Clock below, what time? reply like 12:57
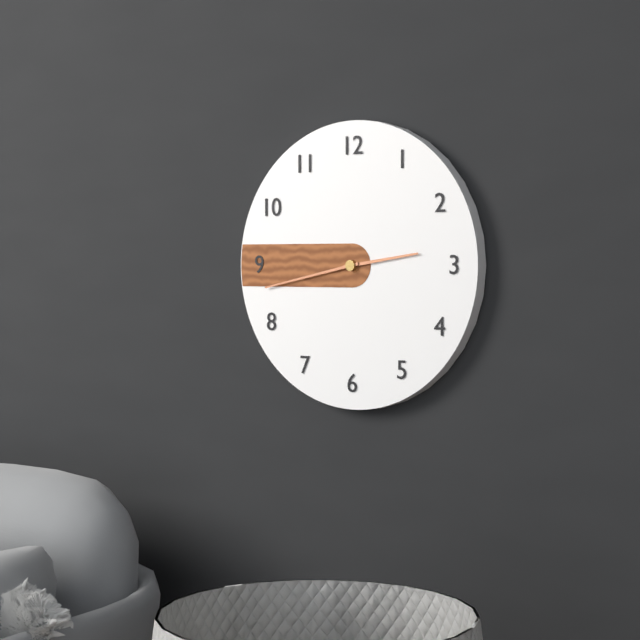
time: 2:43
